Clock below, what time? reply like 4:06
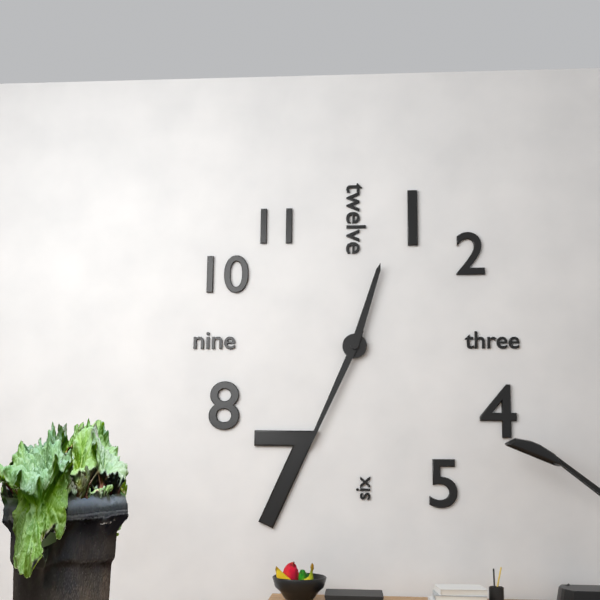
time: 12:34
